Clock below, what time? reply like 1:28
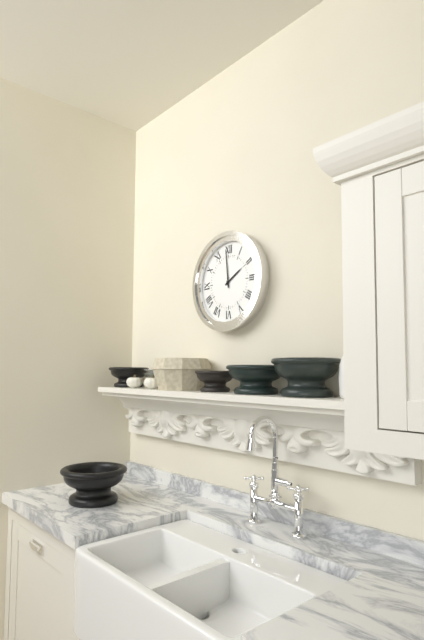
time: 1:59
